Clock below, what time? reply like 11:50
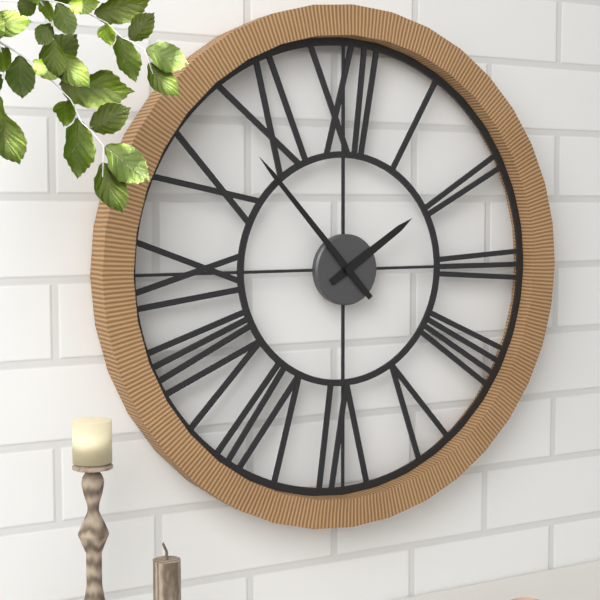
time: 1:53
